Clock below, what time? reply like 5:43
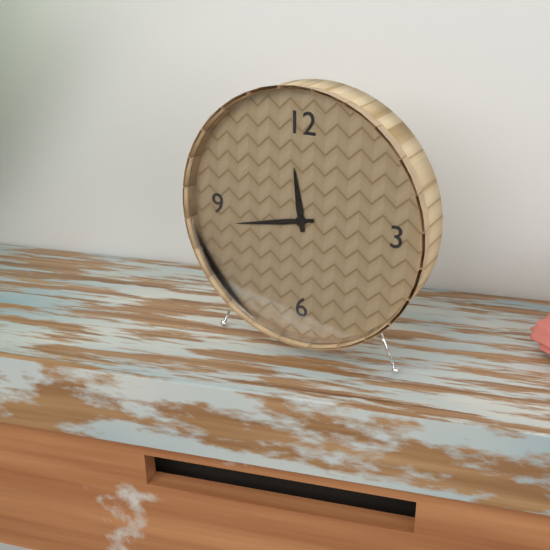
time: 11:43
